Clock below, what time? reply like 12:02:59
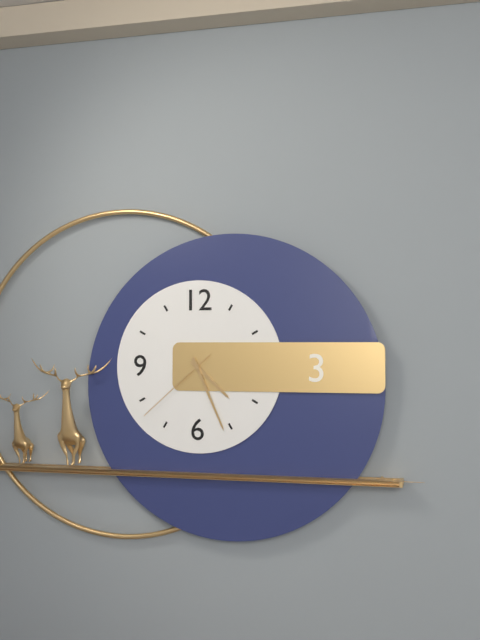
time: 4:26:38
